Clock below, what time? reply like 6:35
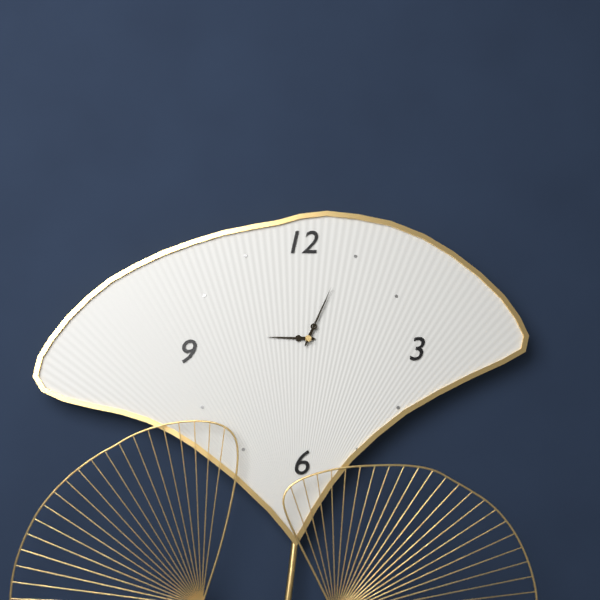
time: 9:04
